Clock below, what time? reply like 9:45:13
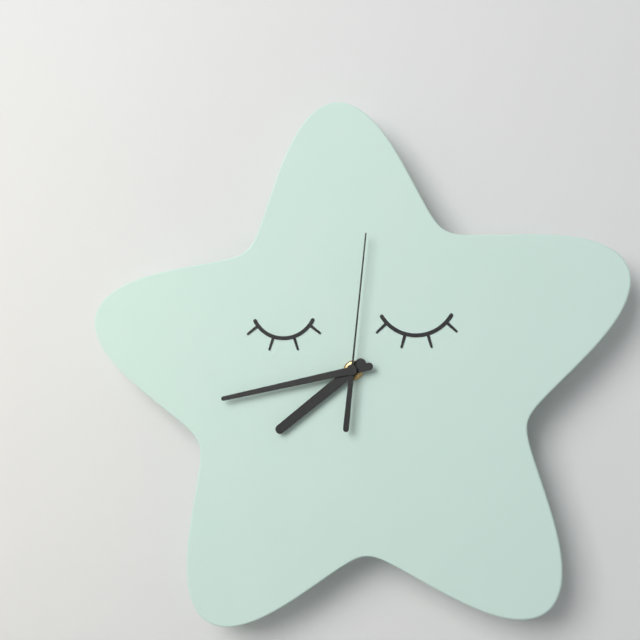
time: 7:43:01
